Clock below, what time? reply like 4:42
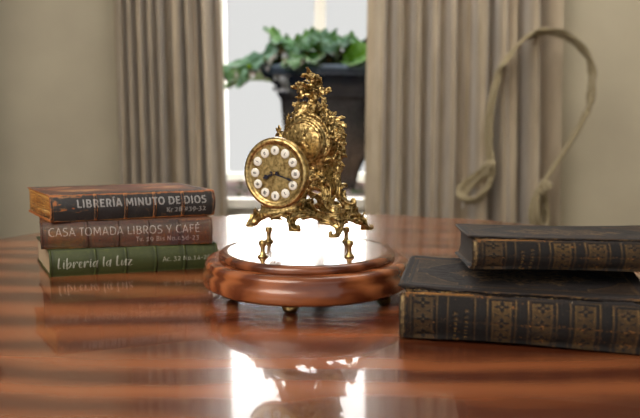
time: 8:18
